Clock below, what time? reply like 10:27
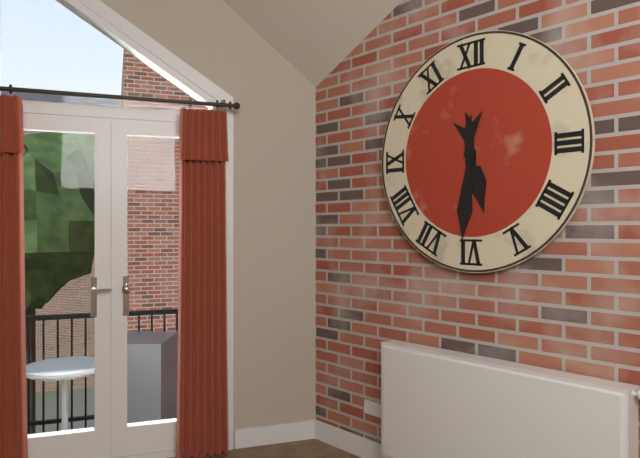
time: 5:31
